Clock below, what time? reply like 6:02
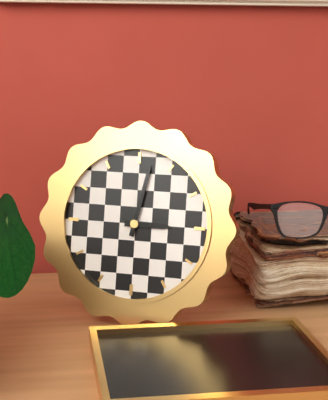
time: 3:02
